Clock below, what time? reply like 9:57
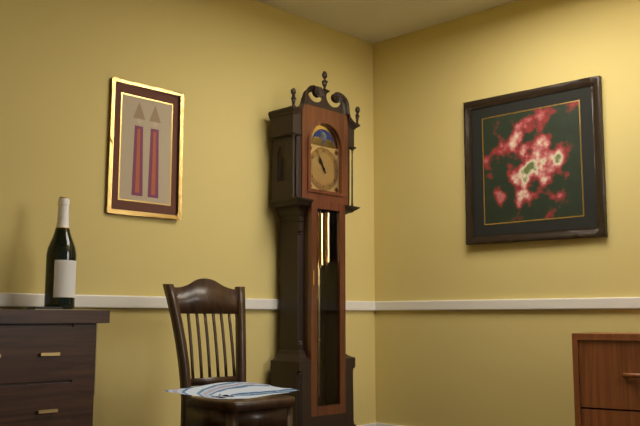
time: 10:55
